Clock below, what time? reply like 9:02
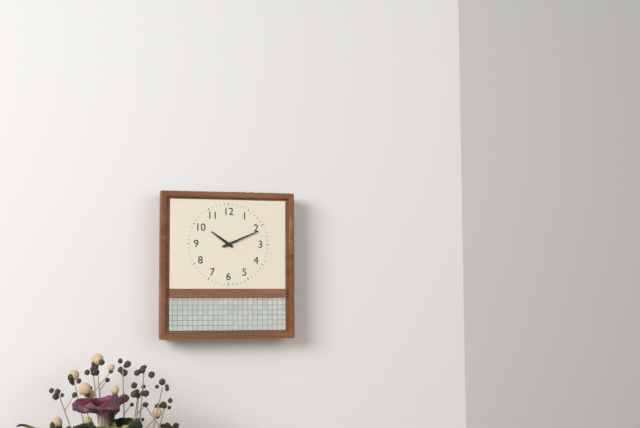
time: 10:11
